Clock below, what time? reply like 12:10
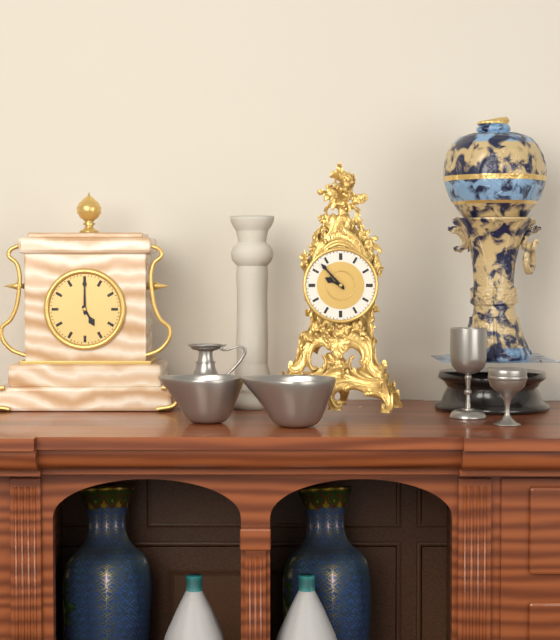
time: 9:53
